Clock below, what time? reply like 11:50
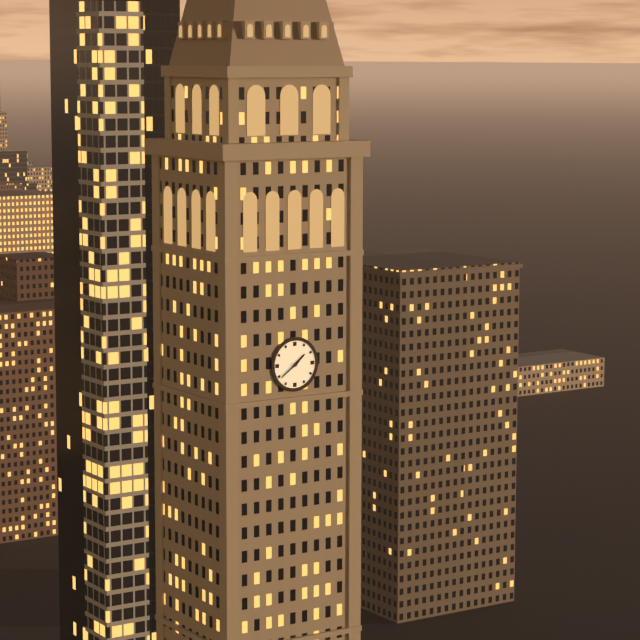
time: 1:39
